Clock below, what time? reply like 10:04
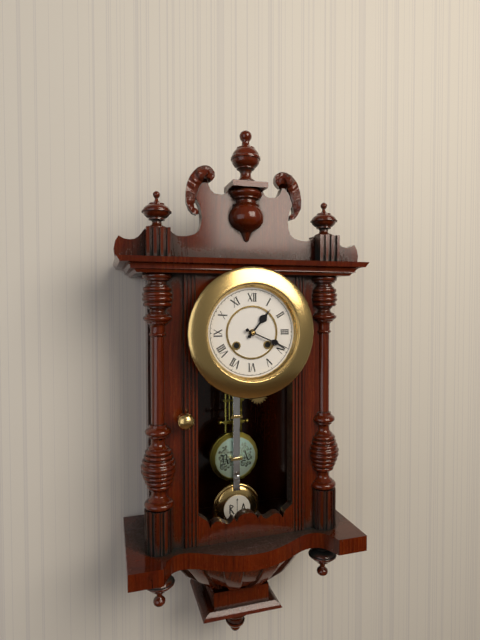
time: 1:19
